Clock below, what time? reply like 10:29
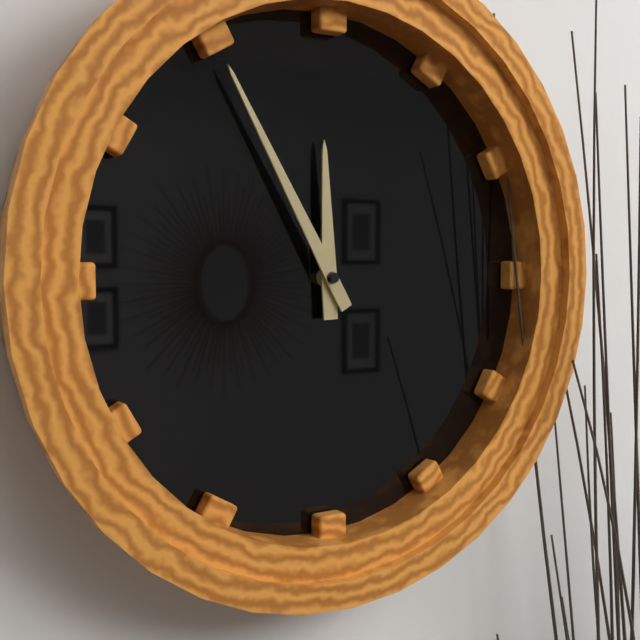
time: 11:55
